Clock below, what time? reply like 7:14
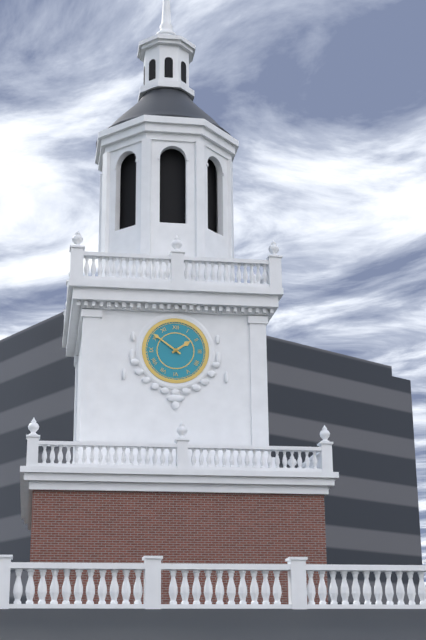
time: 1:51
